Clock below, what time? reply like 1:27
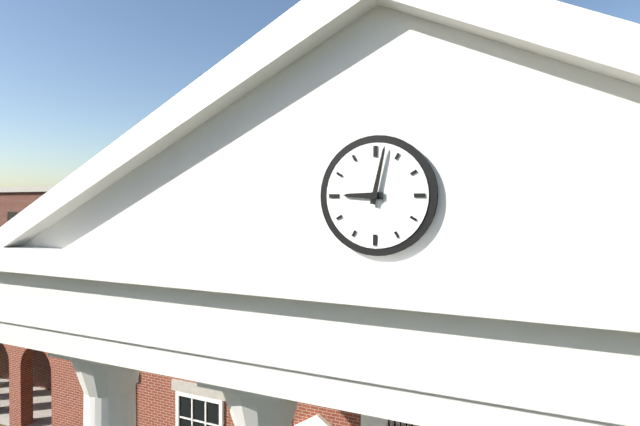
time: 9:02
